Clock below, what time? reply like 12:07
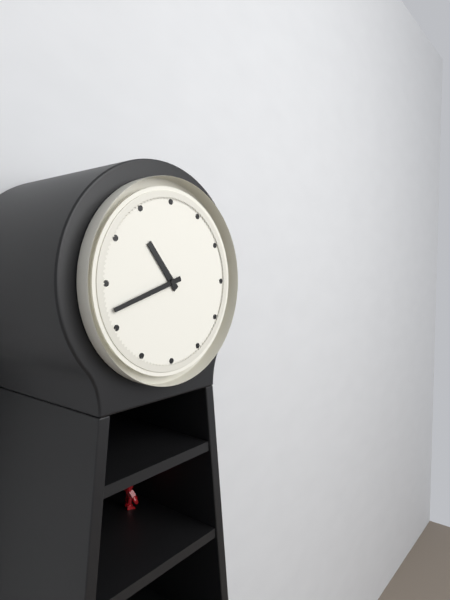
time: 10:42
